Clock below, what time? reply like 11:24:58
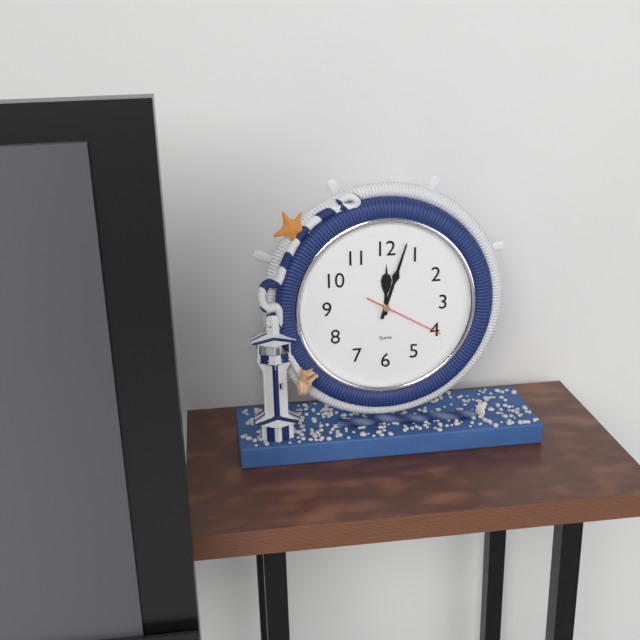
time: 12:03:20
